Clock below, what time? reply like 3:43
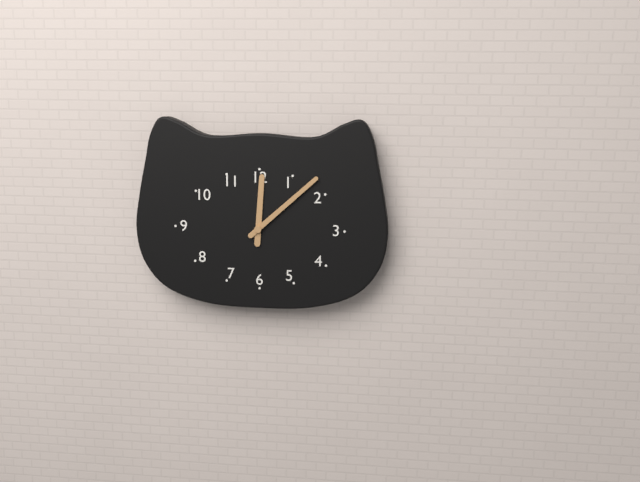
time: 12:08
